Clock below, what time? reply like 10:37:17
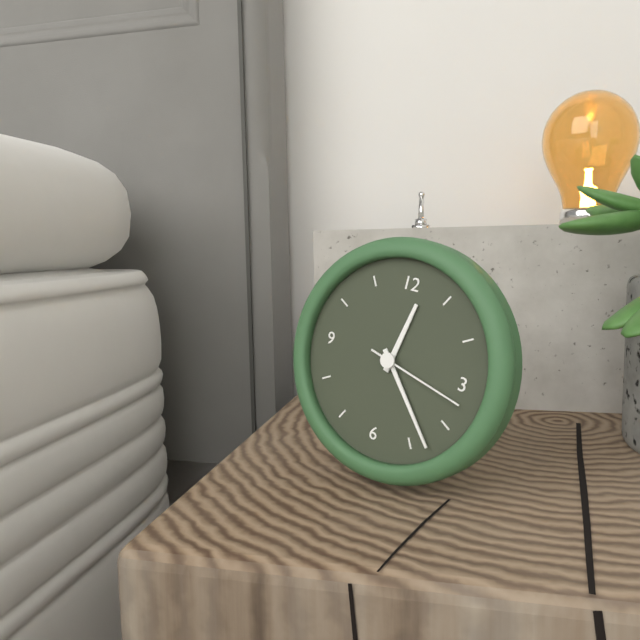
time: 12:23:17
